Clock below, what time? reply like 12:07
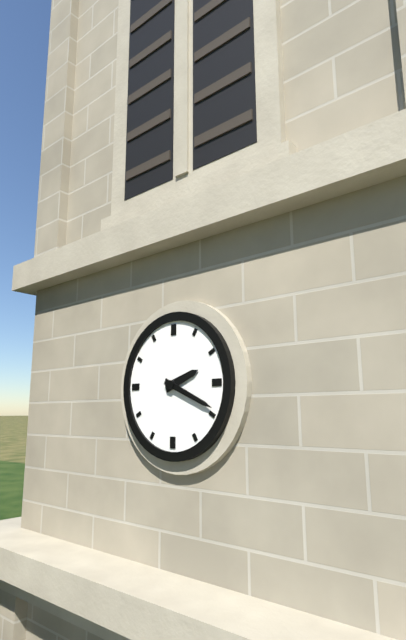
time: 2:19
